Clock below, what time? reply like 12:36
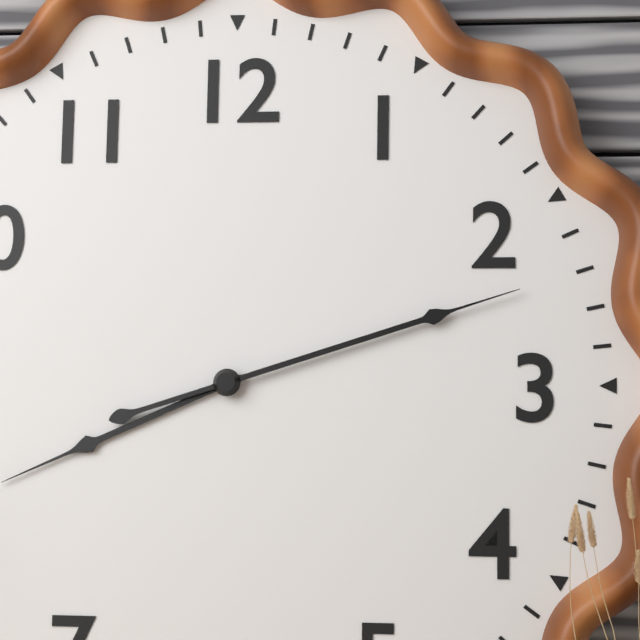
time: 8:12
